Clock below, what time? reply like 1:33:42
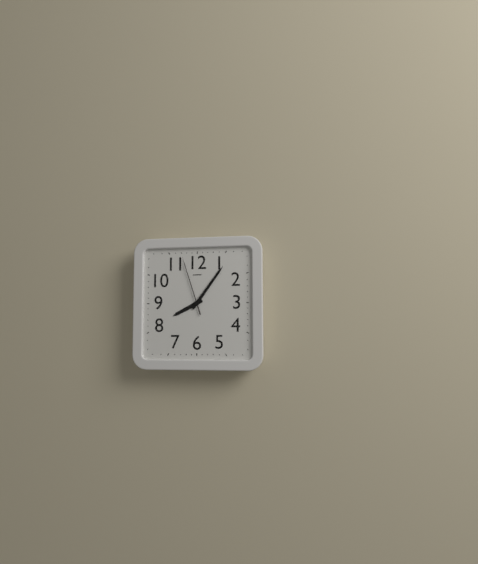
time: 8:06:57
